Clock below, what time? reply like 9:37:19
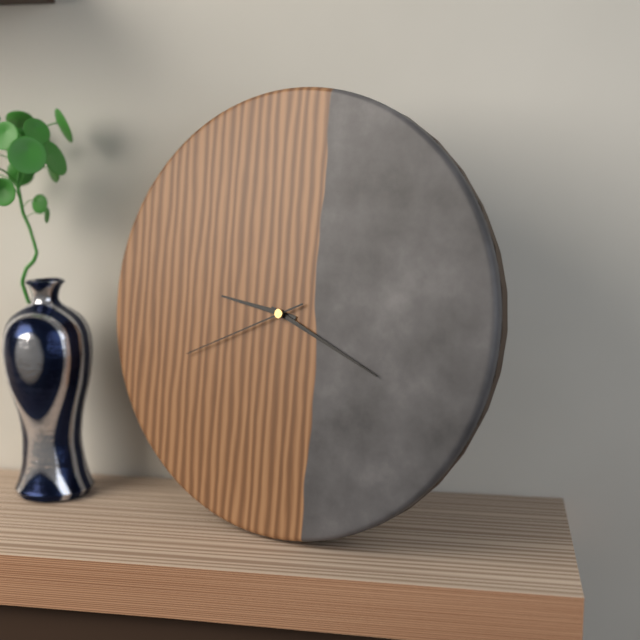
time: 9:19:41
